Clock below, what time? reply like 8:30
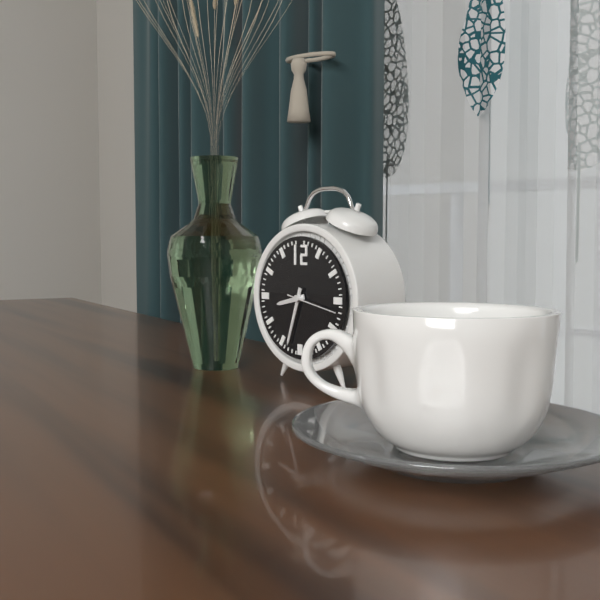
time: 8:33
